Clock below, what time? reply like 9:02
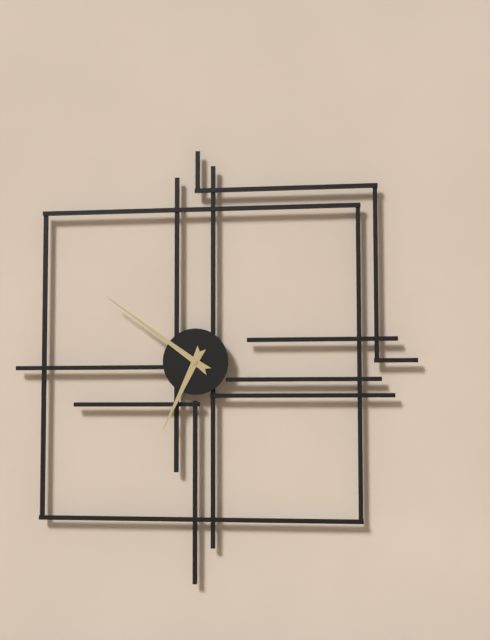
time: 6:51
